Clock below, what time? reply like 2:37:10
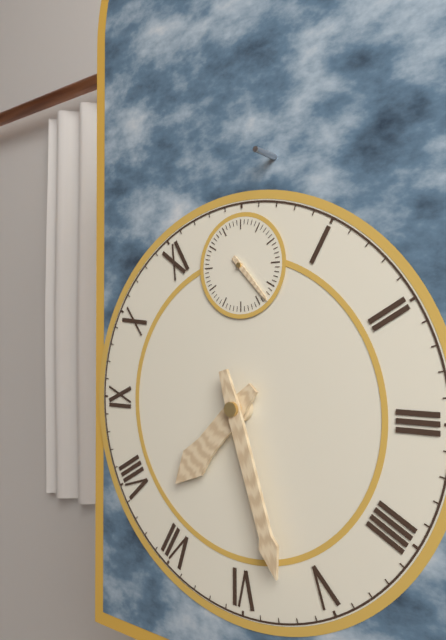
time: 7:27:23
